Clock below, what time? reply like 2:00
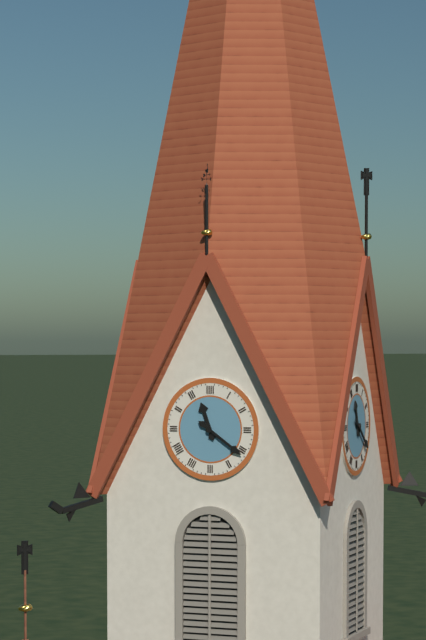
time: 11:21
